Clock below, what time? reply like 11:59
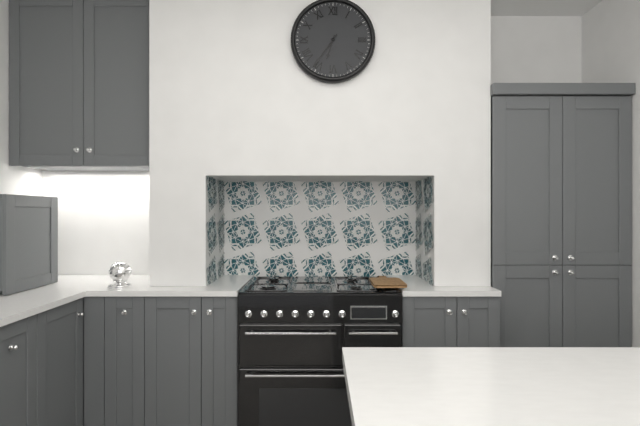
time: 6:36
